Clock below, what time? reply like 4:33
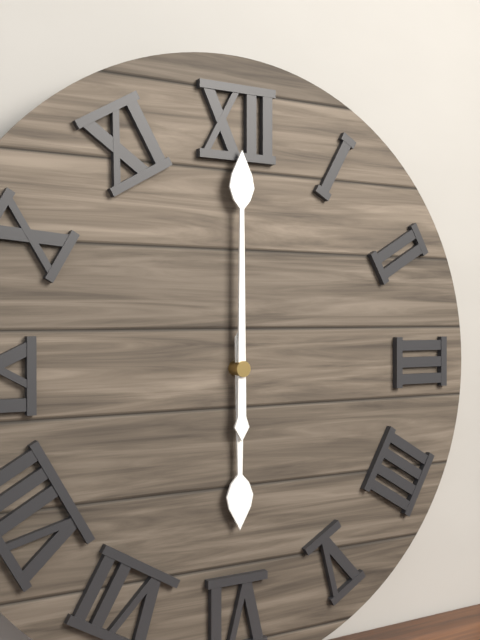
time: 6:00
